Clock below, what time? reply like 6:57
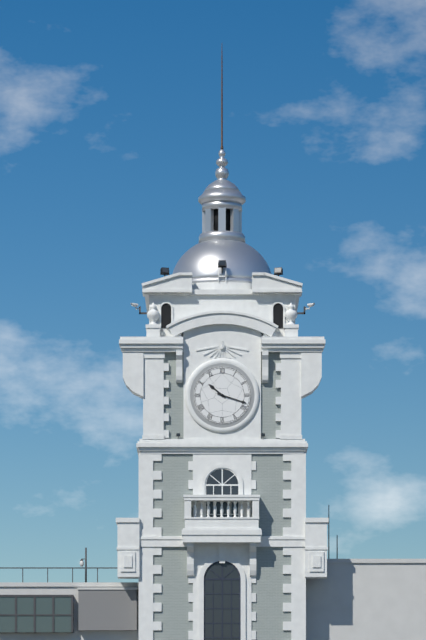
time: 10:18
